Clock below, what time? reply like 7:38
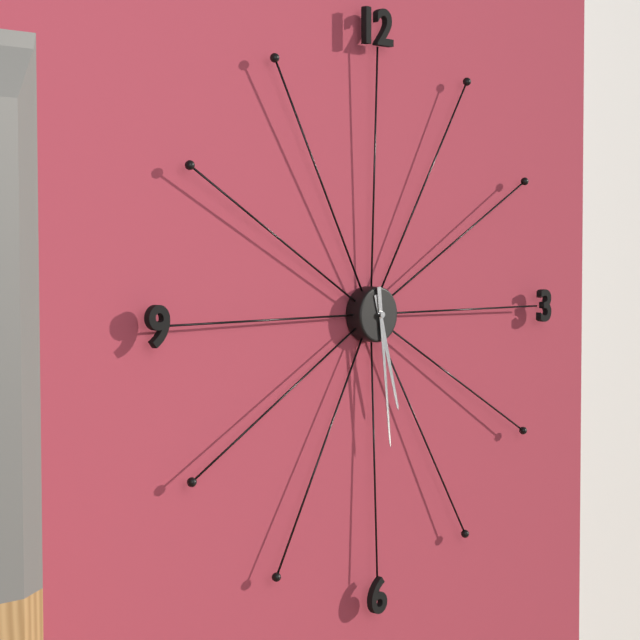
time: 5:29
